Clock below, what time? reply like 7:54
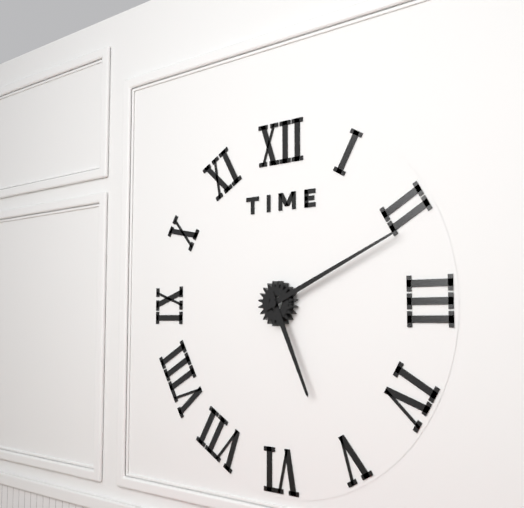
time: 5:11
